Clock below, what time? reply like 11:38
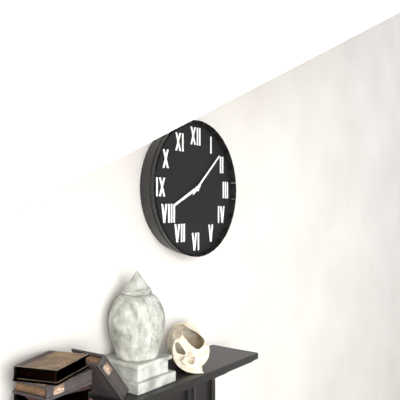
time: 8:08
